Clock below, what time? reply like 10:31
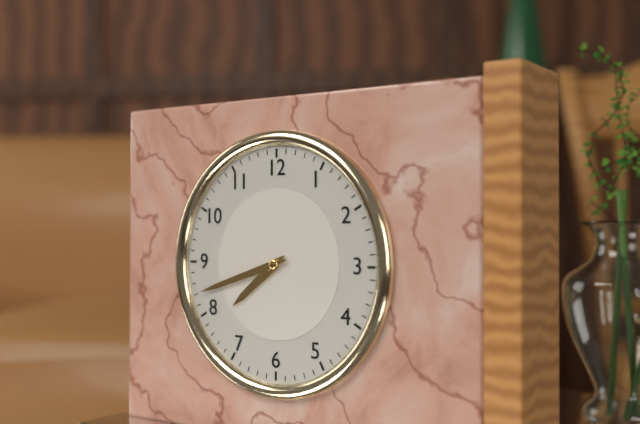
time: 7:42
